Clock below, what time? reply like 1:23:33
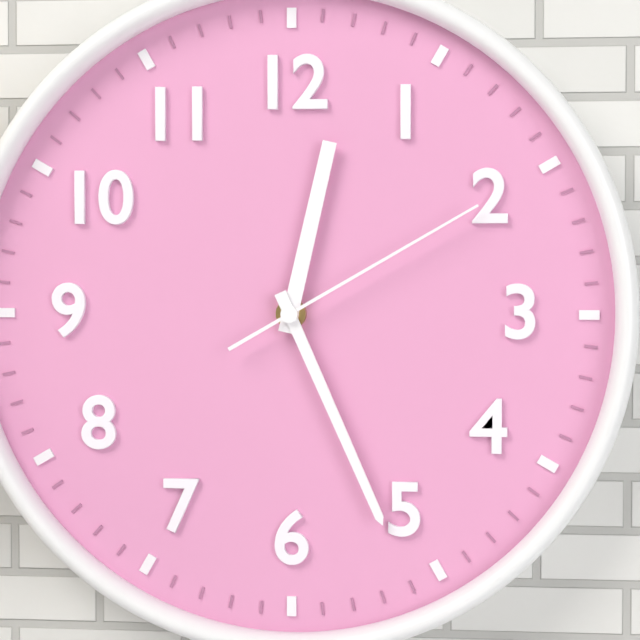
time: 12:26:10
